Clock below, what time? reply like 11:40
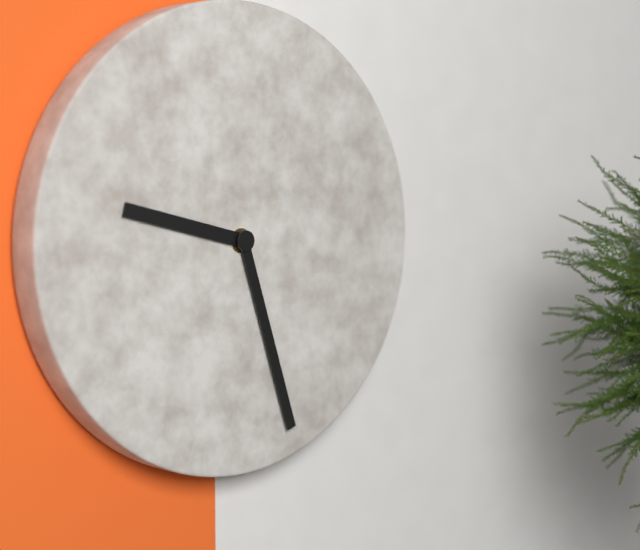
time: 9:27
